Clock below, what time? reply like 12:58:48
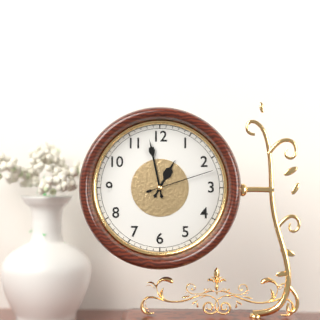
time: 12:58:12
